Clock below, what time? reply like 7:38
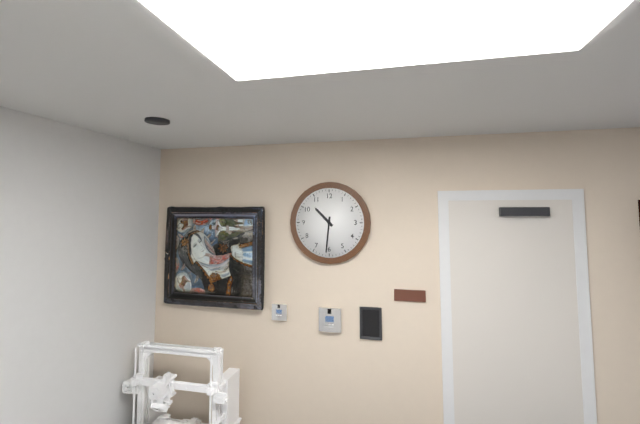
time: 10:31
